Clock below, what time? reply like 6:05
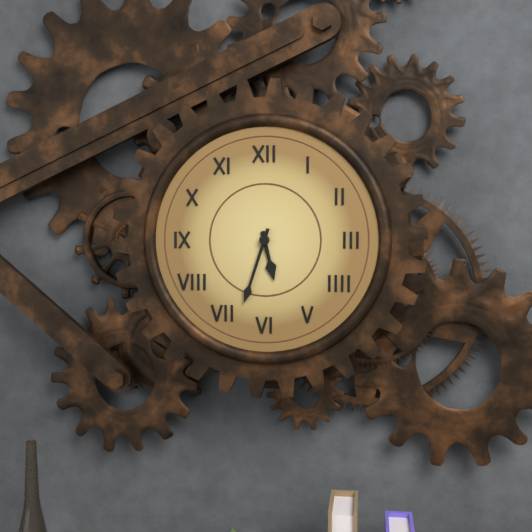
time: 5:33
